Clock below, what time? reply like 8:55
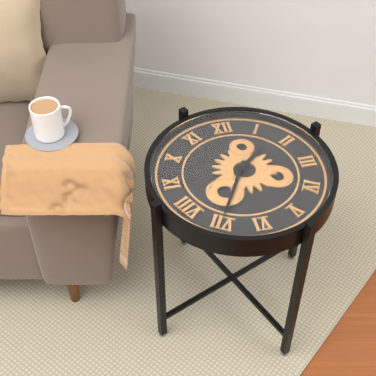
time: 1:35
